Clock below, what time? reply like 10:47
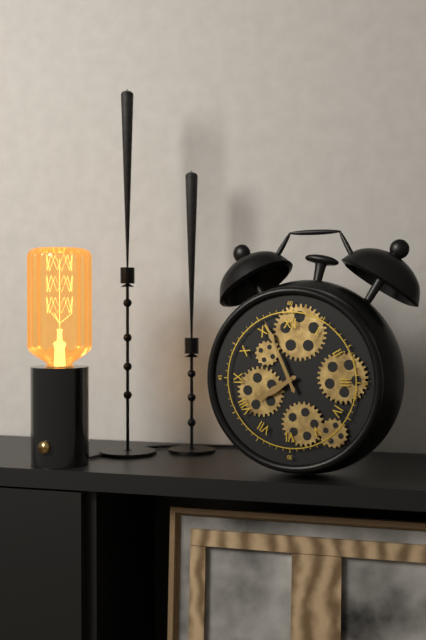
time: 7:56
